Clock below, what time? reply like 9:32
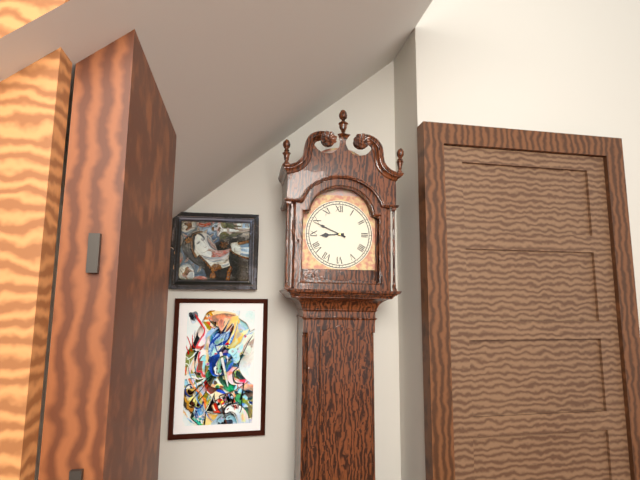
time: 8:49
